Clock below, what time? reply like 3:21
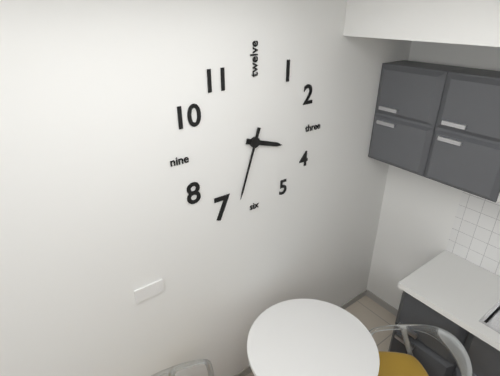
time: 3:33
